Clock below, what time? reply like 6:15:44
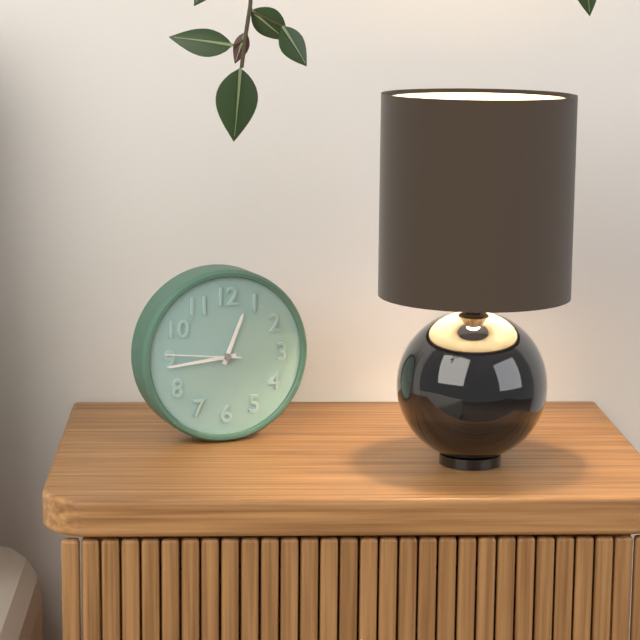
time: 12:44:46
